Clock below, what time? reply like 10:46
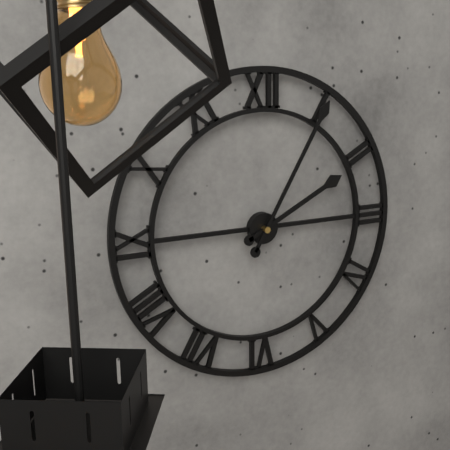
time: 2:05
